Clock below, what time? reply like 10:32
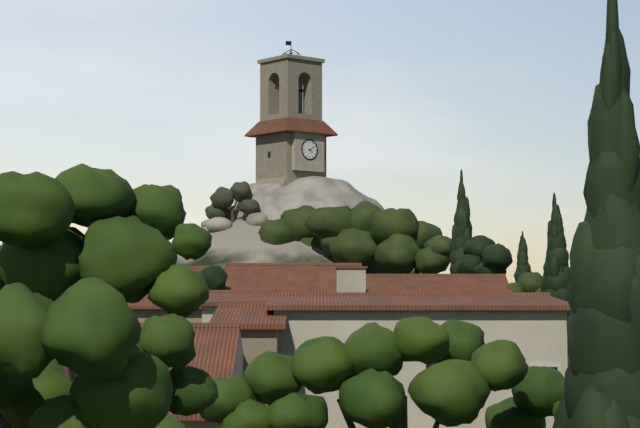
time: 4:10
